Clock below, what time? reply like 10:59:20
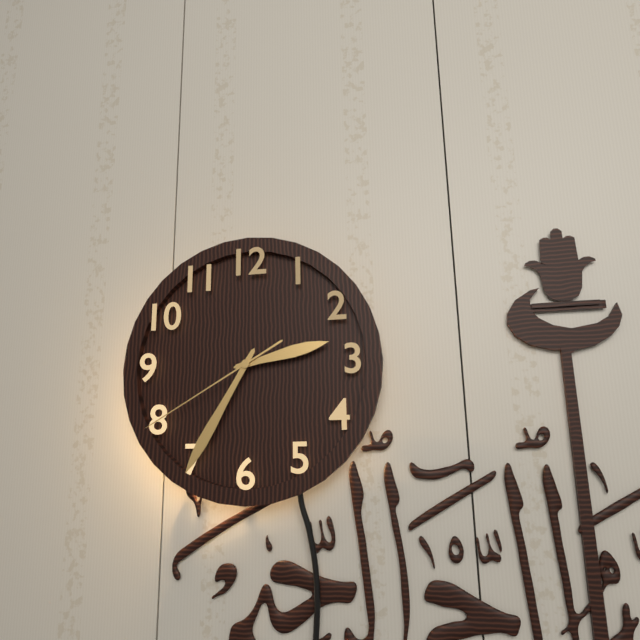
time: 2:35:40
